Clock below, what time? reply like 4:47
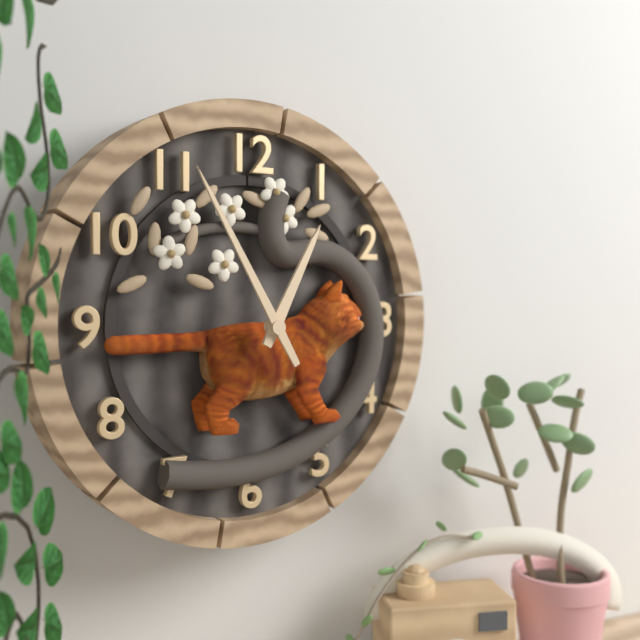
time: 12:55
